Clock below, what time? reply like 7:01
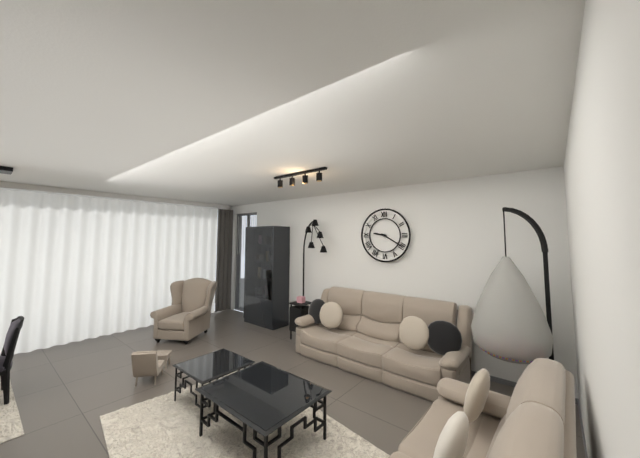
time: 9:20
